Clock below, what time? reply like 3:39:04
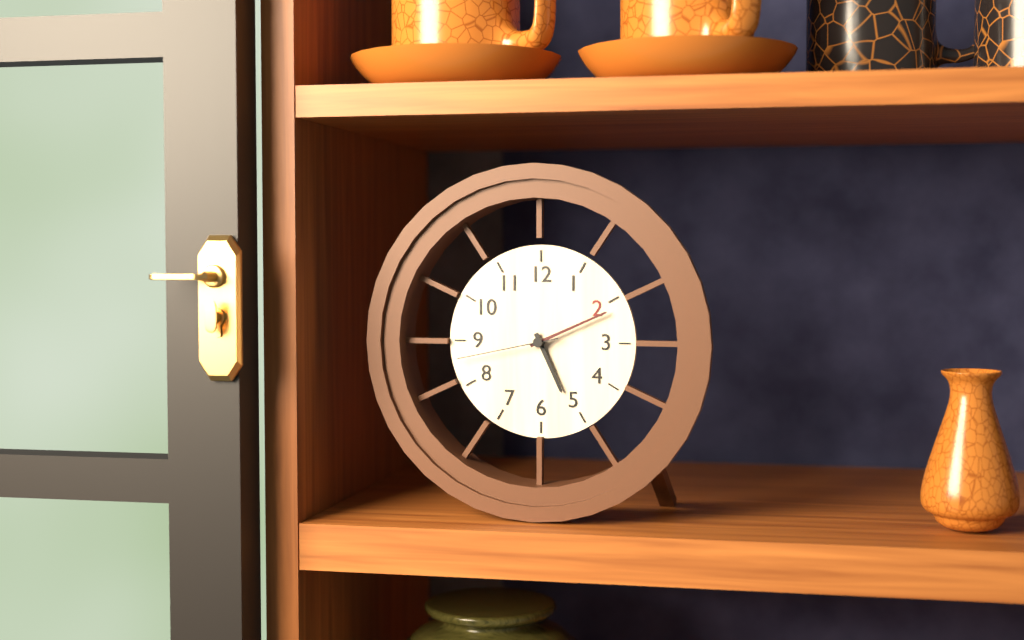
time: 5:11:43
